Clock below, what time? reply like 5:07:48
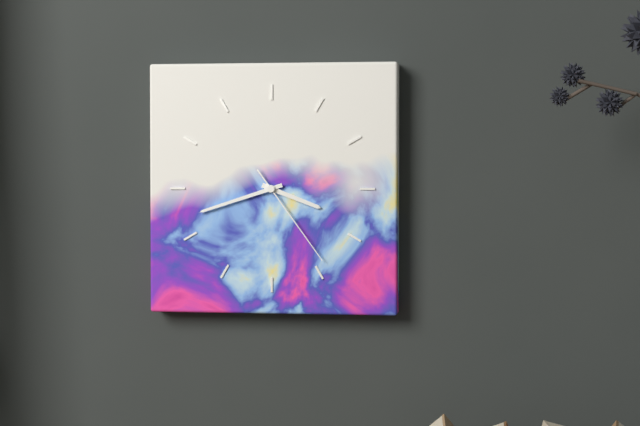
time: 3:42:24
